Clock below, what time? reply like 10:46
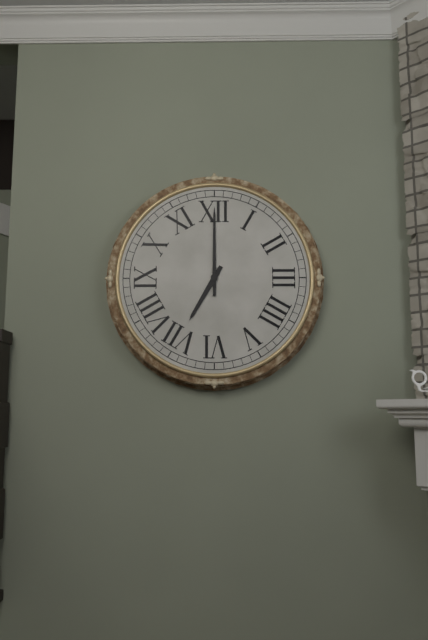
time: 7:00
